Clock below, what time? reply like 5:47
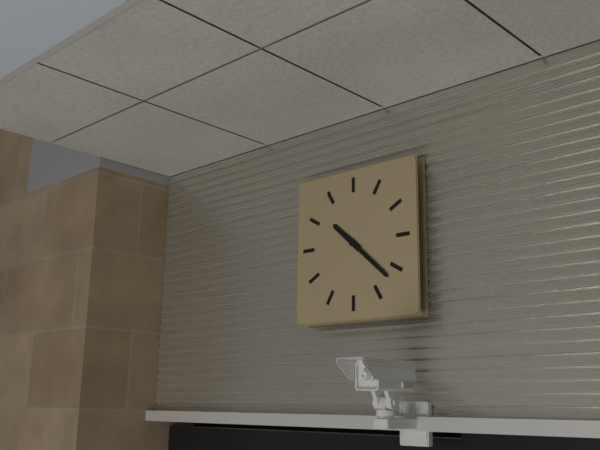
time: 10:22
